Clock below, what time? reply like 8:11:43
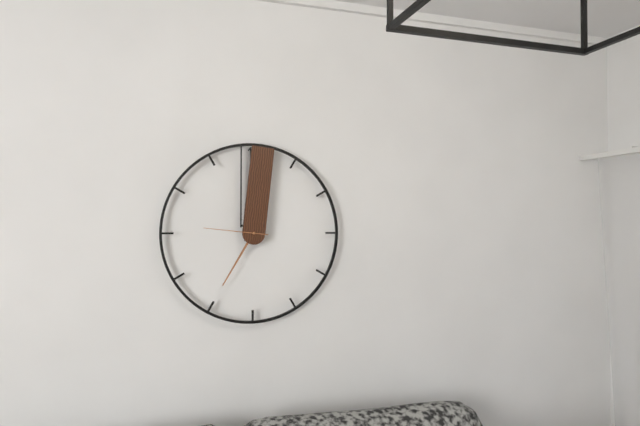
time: 7:01:46
